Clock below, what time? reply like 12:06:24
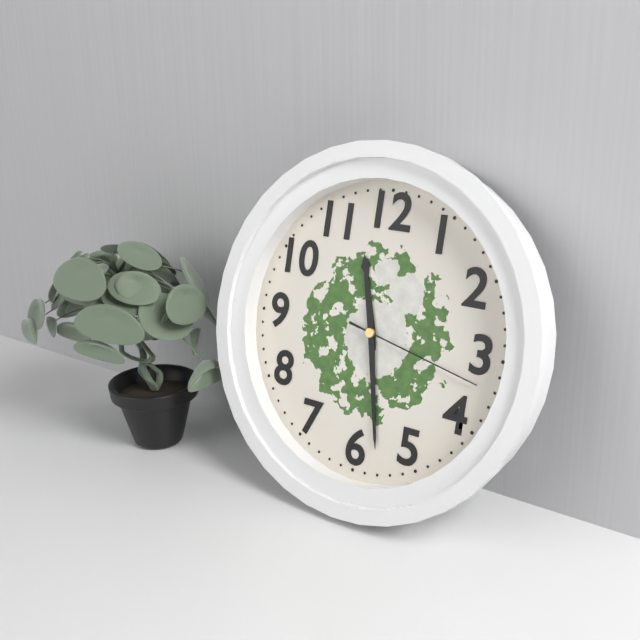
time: 11:28:17
